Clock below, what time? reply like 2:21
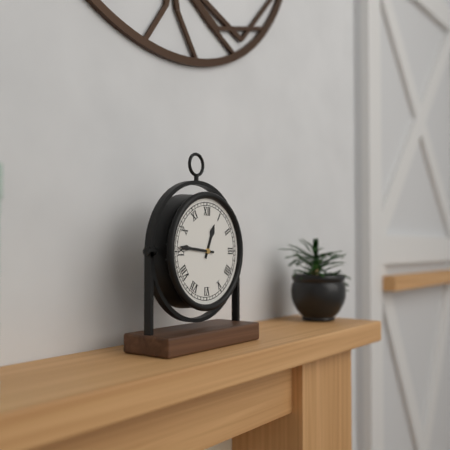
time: 12:46
